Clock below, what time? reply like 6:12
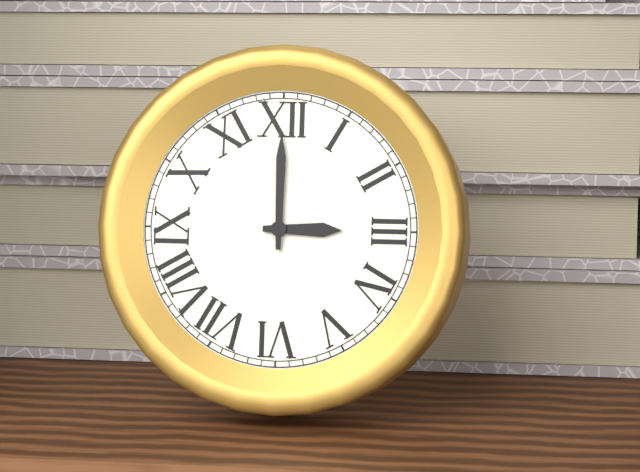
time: 3:00
